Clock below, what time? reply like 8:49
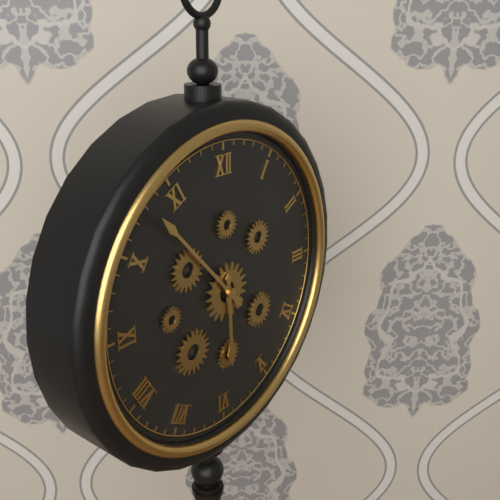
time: 5:53
